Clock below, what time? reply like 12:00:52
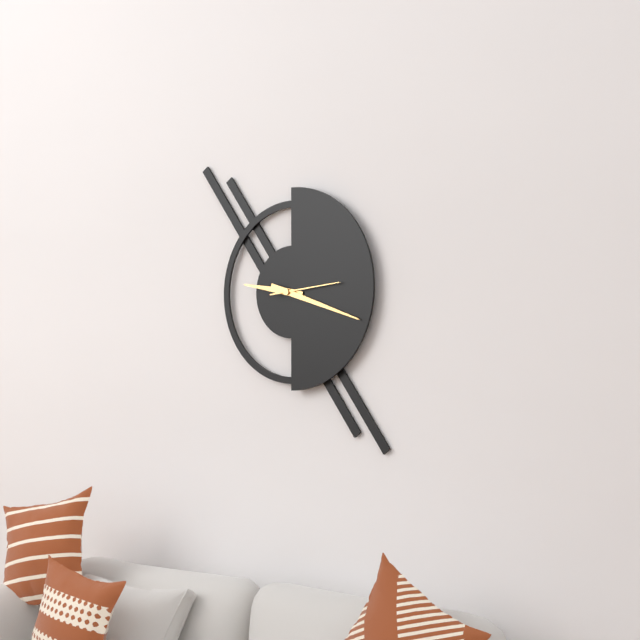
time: 9:18:14
